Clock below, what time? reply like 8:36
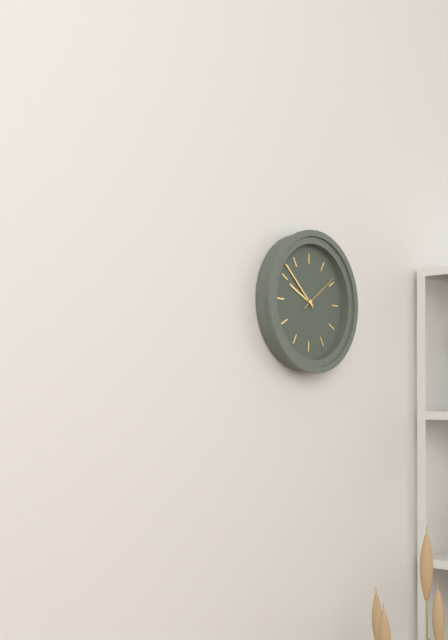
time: 9:52
